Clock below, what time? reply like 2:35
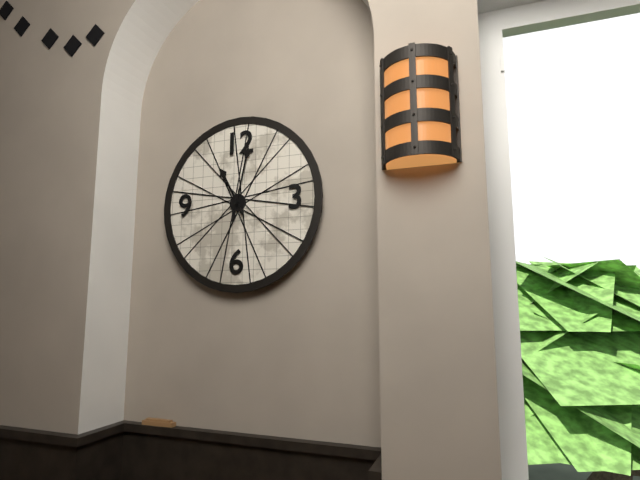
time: 11:02
